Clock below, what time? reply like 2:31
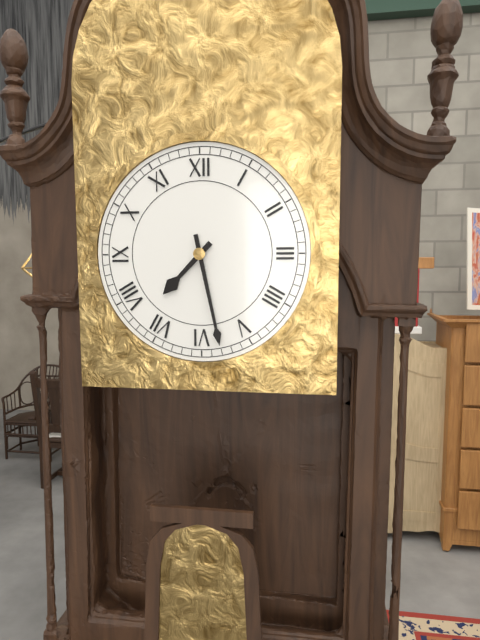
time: 7:28
